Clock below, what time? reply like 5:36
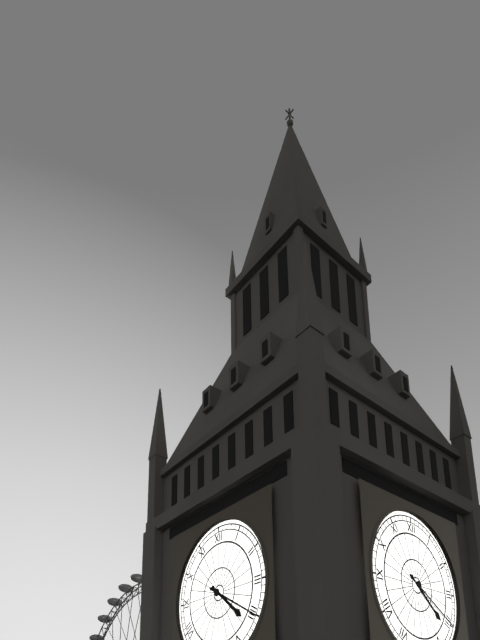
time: 4:20
